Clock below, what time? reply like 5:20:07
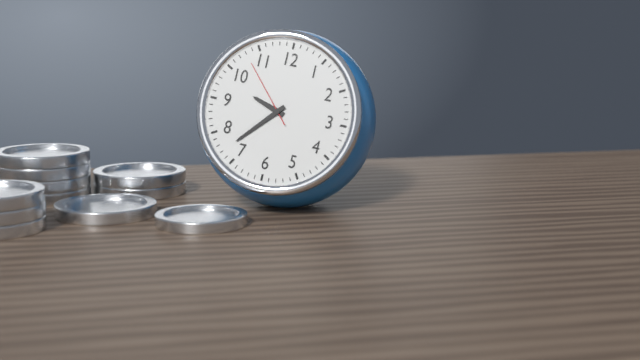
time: 9:37:53
